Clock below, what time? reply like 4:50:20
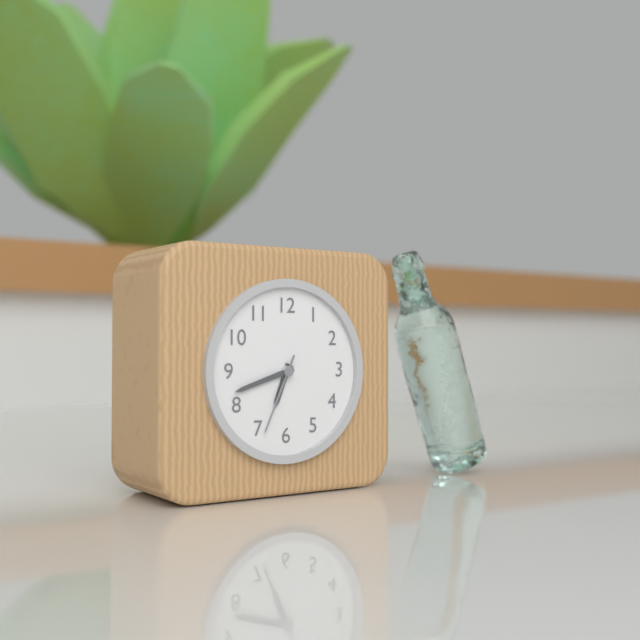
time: 6:42:34
